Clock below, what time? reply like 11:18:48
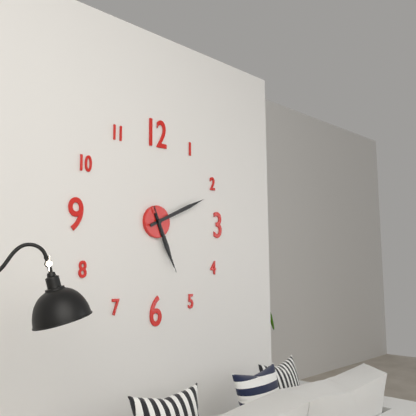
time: 5:11:26
